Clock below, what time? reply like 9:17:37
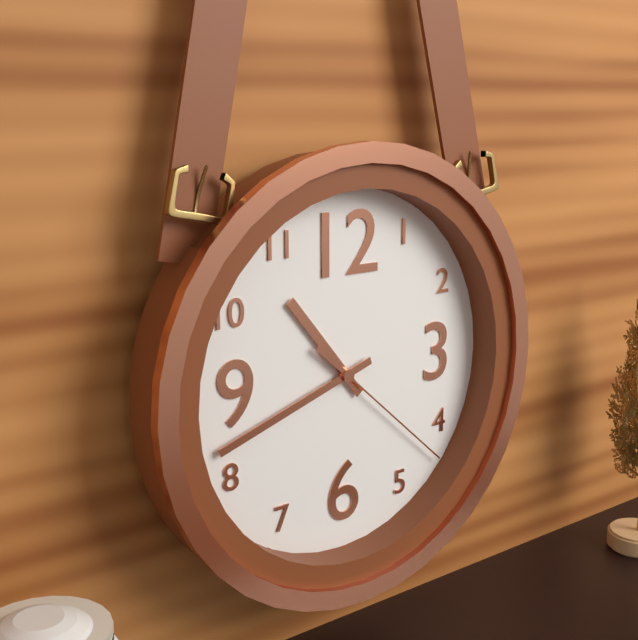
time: 10:42:22
